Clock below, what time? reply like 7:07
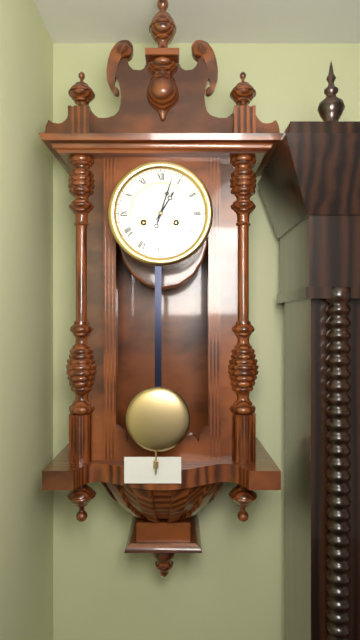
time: 1:03
